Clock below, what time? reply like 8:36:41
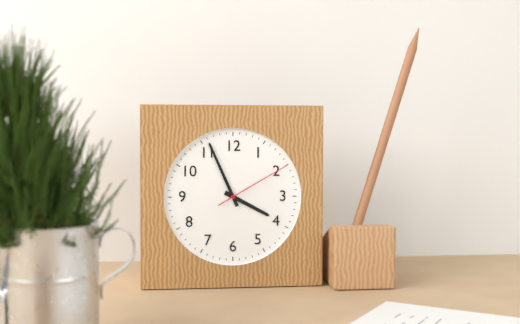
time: 3:56:10
